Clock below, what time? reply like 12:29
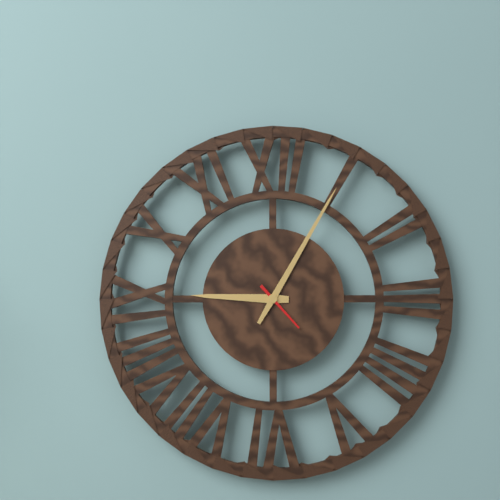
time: 9:05
